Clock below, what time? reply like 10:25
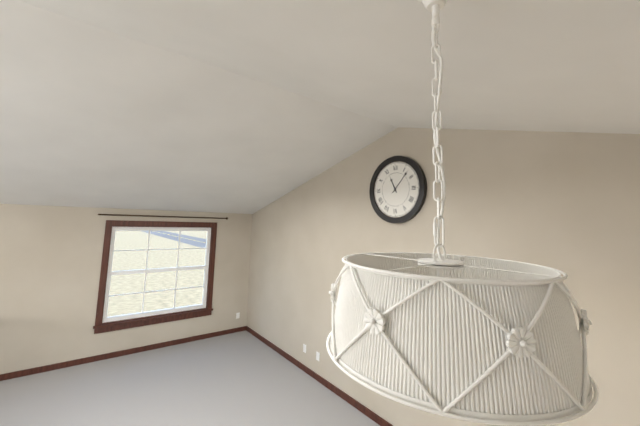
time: 11:07
